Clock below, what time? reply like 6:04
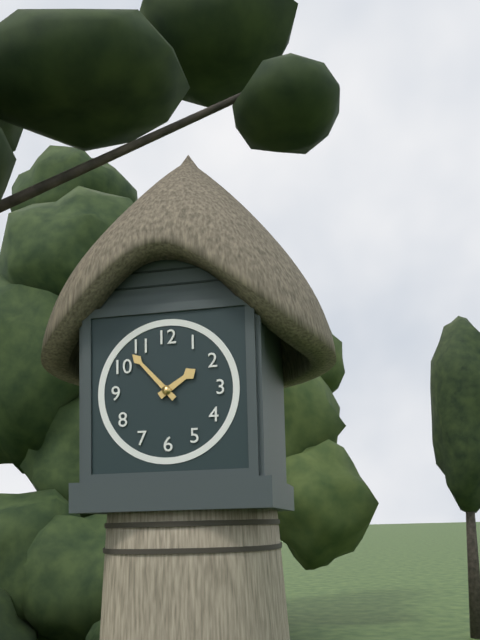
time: 1:53
